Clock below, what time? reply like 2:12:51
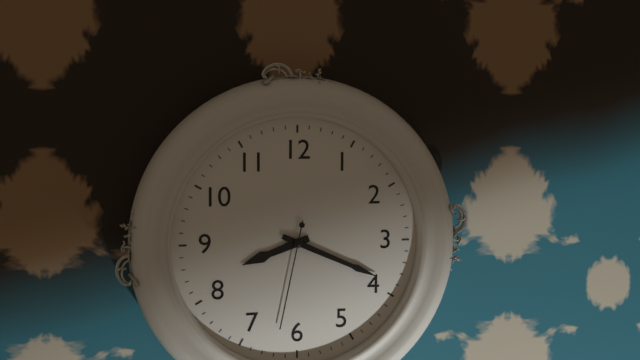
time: 8:19:32
